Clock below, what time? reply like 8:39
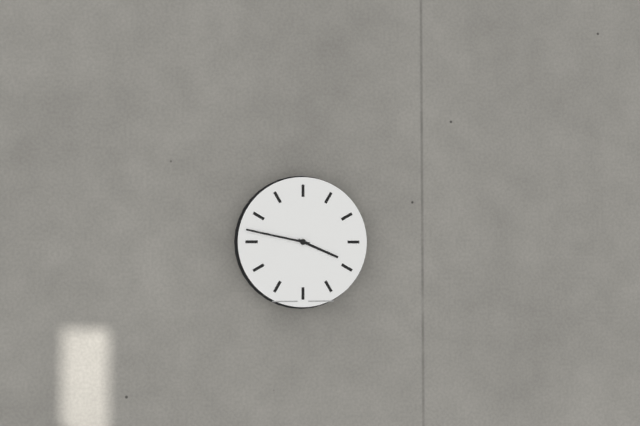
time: 3:47
